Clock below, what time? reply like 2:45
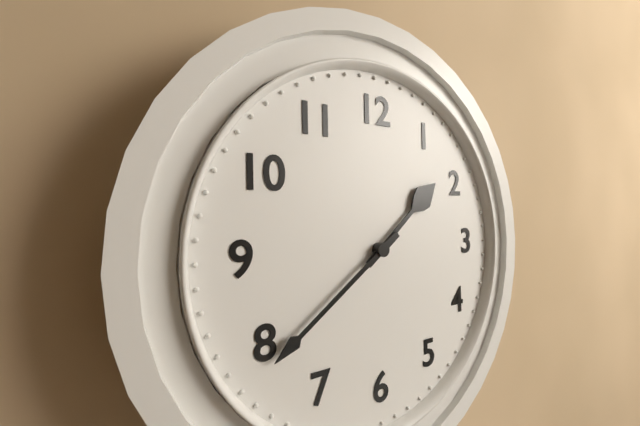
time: 1:39
